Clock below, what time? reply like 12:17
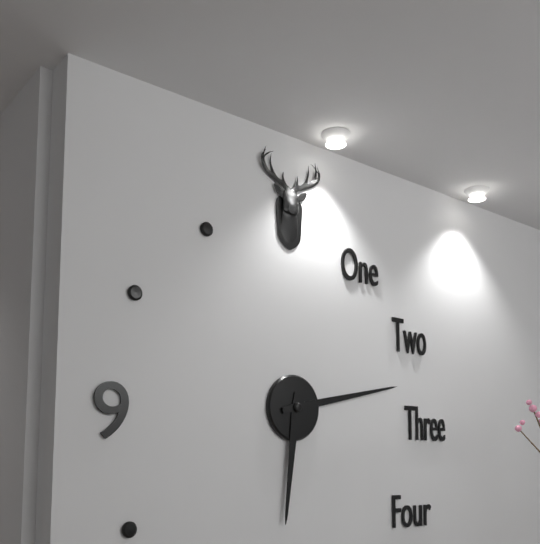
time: 6:13
